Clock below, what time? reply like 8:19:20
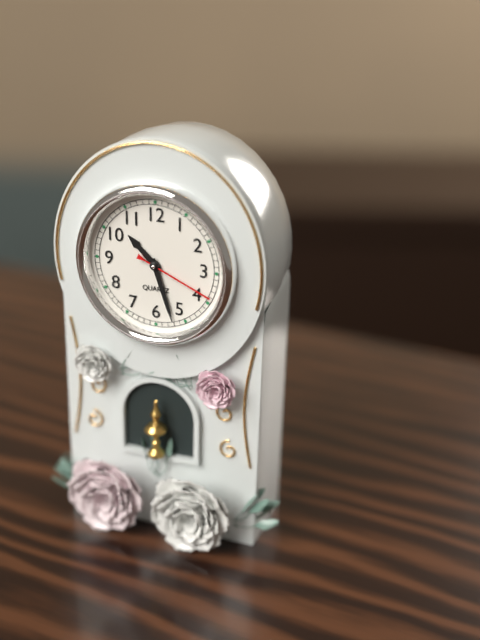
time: 10:27:19
